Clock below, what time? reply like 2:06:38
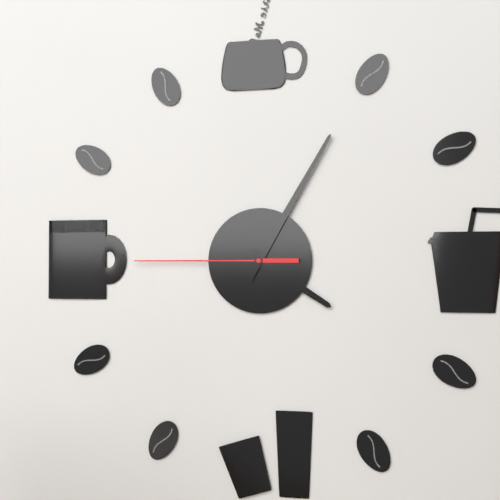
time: 4:05:45
